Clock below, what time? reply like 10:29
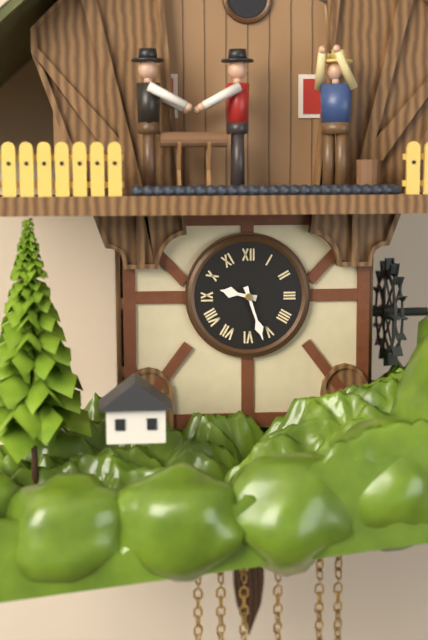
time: 9:27
